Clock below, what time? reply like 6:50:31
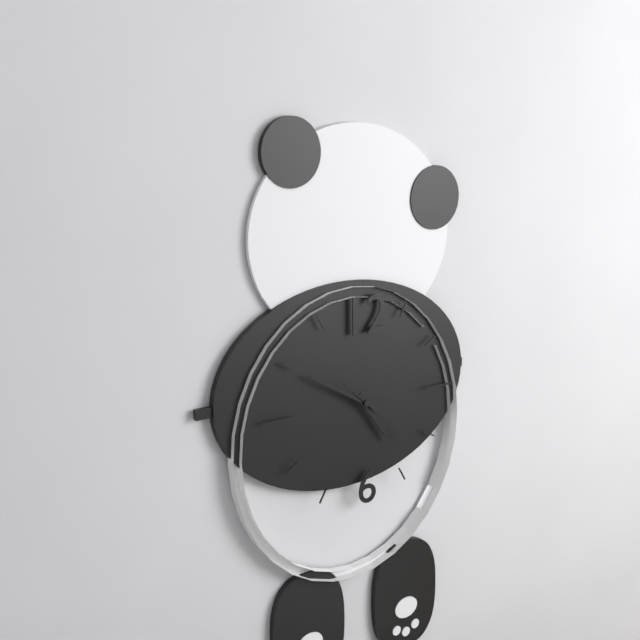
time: 4:50:22
